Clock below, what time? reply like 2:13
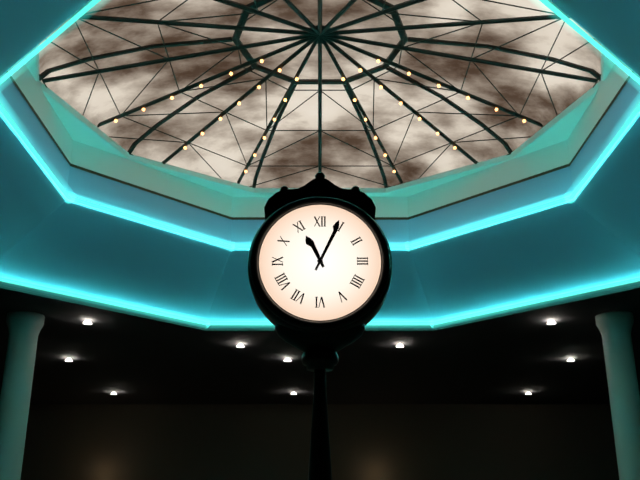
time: 11:04
